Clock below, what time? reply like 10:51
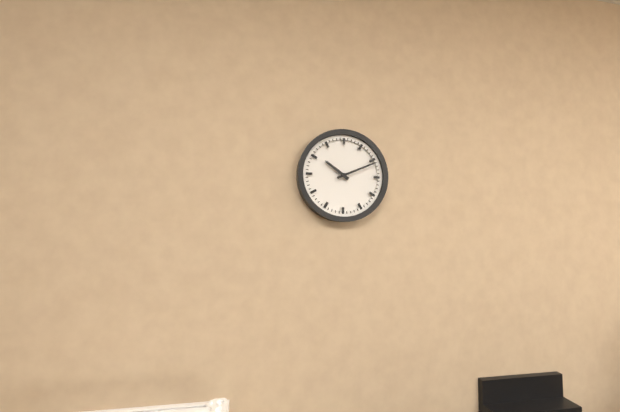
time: 10:11
